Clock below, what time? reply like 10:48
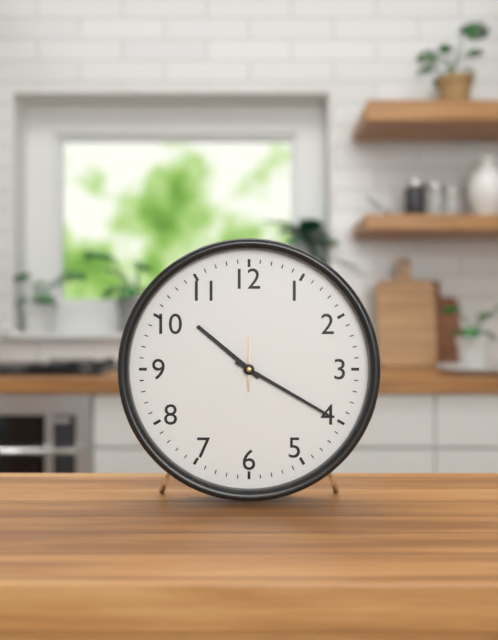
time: 10:20
